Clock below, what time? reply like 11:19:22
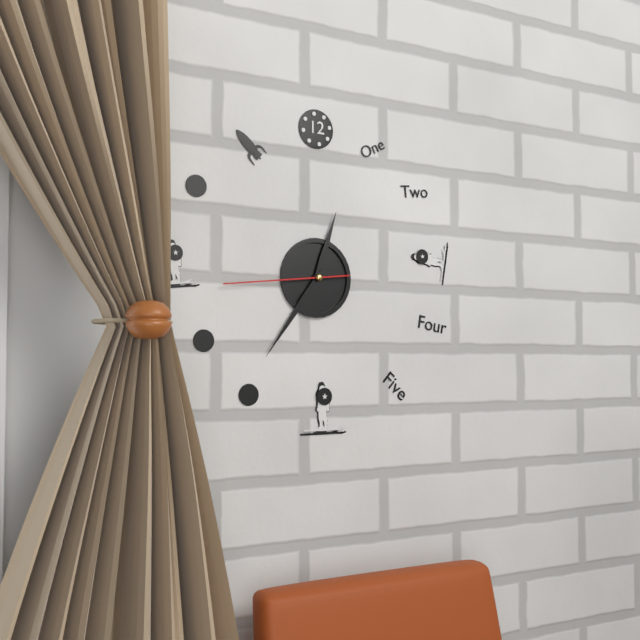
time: 12:36:44
